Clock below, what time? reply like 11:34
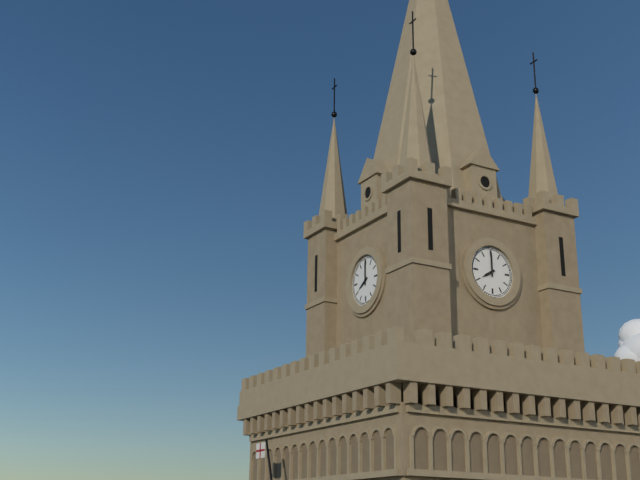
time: 8:00
